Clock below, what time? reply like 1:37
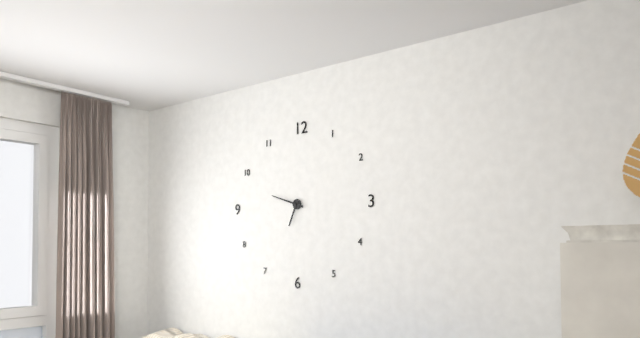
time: 6:48
